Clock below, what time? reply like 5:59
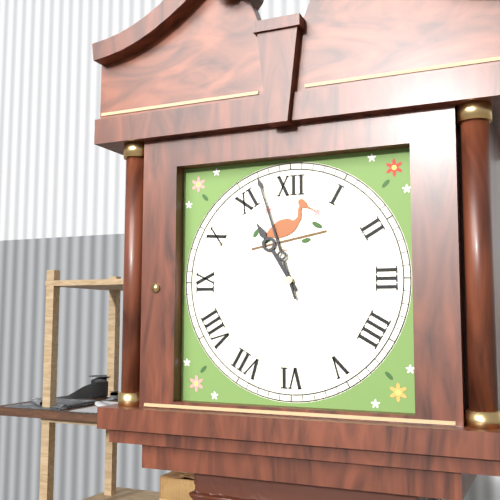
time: 10:57
